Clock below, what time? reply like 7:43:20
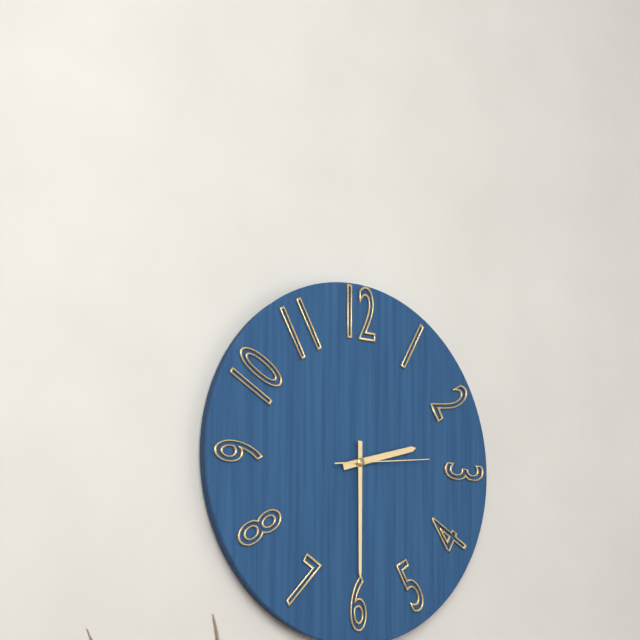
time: 2:30:14
